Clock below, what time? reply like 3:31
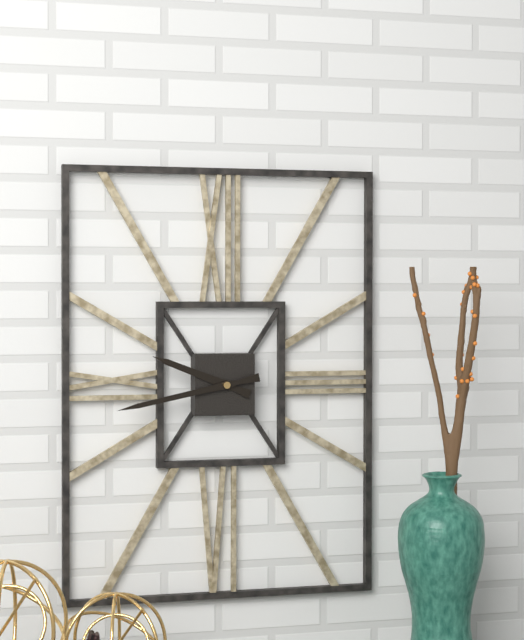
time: 9:43
